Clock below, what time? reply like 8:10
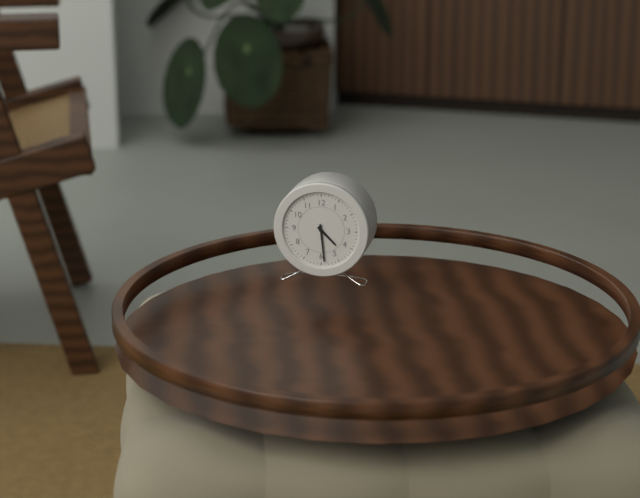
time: 4:29
